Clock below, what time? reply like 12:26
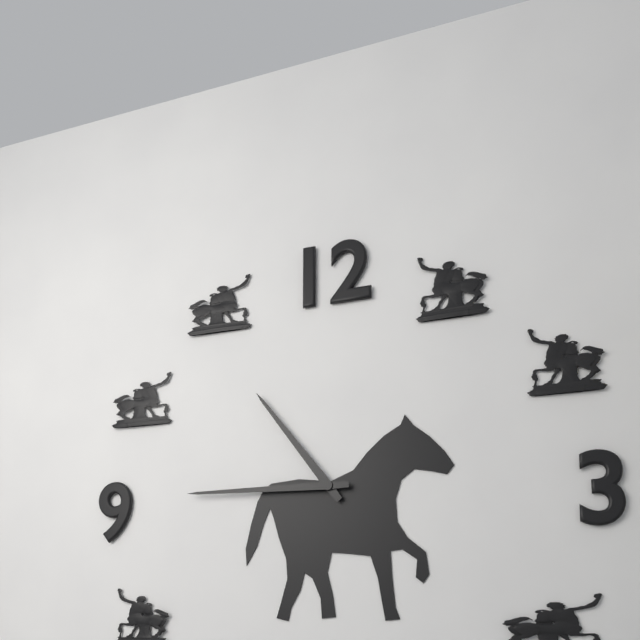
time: 10:45
